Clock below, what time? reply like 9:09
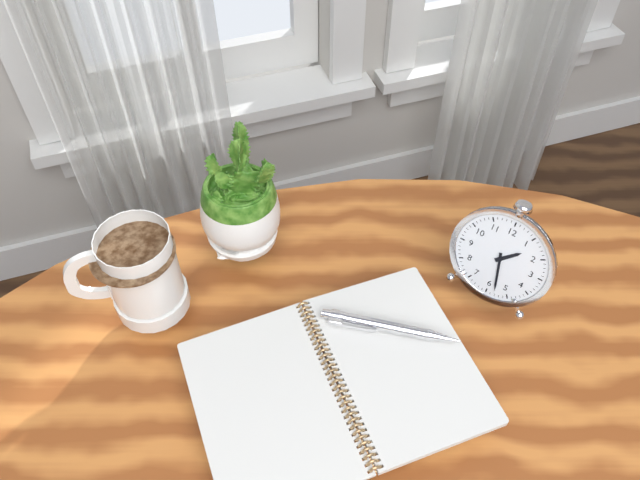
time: 1:28
